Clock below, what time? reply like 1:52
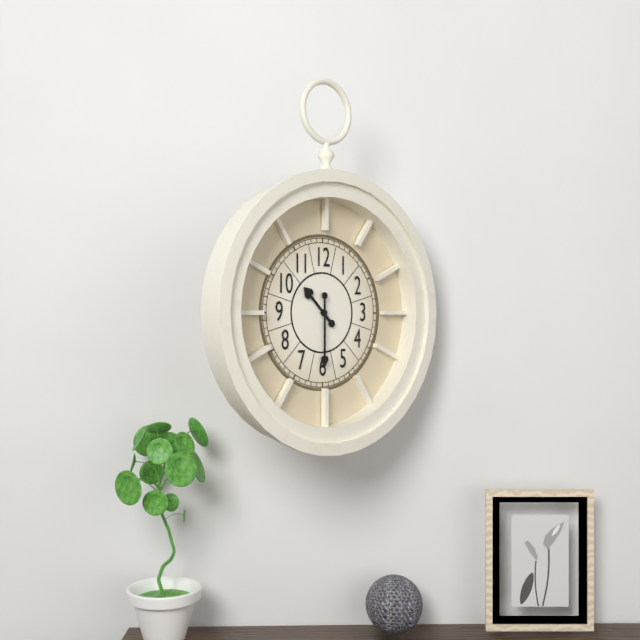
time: 10:30
